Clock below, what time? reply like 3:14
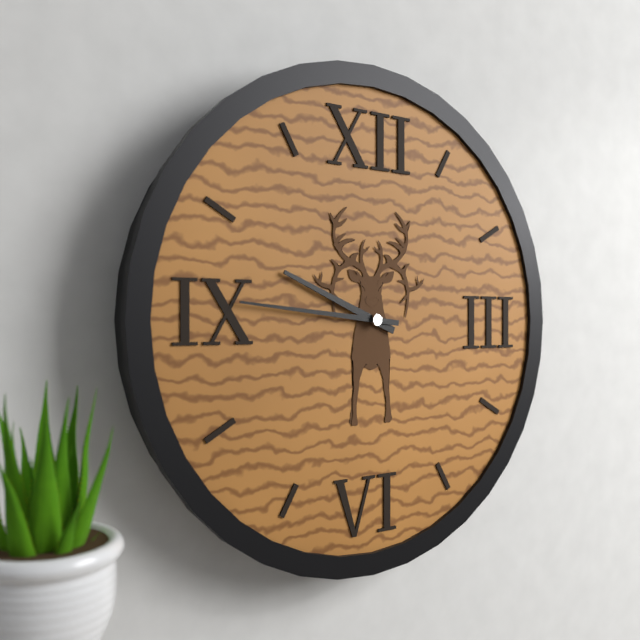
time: 9:46
